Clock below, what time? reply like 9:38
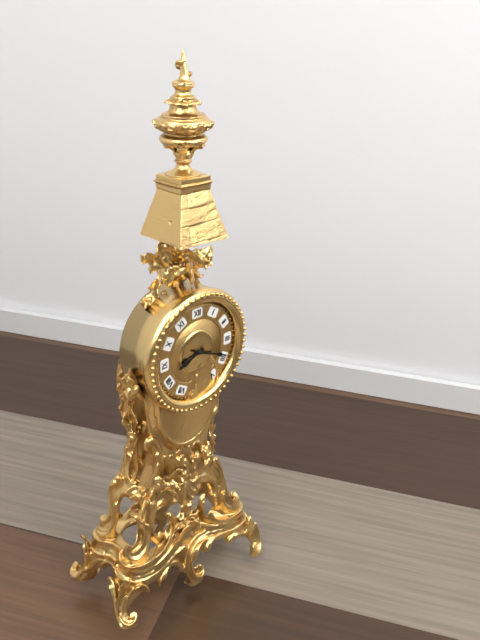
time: 8:19
